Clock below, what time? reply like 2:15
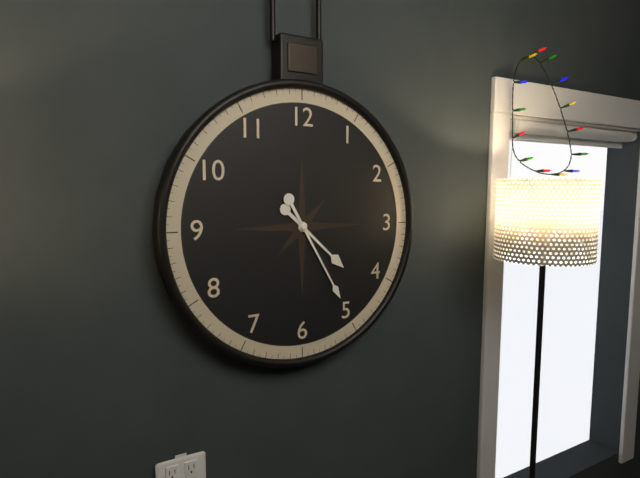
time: 4:25
